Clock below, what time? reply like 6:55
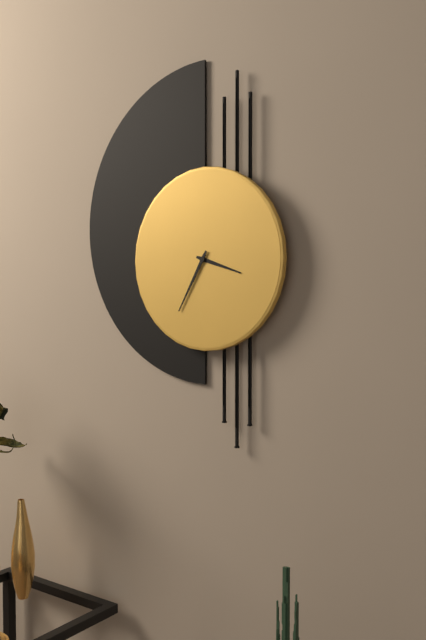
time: 3:35
